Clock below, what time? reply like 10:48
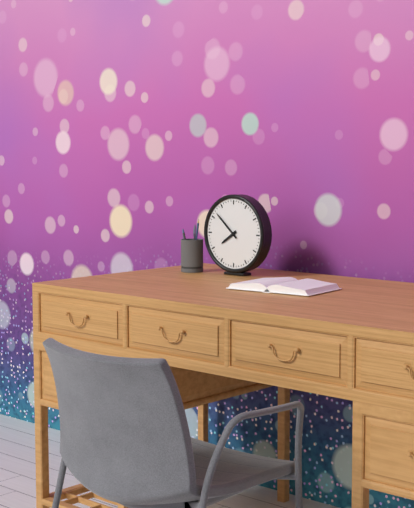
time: 7:52
